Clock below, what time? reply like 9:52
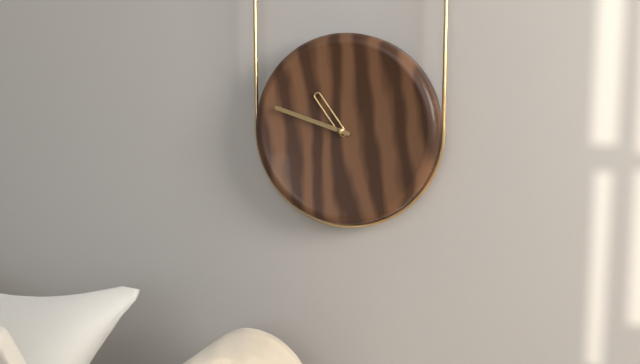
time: 10:48
